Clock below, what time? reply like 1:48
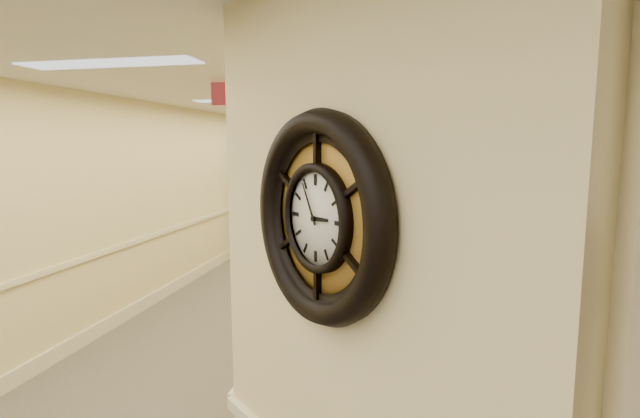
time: 2:55
